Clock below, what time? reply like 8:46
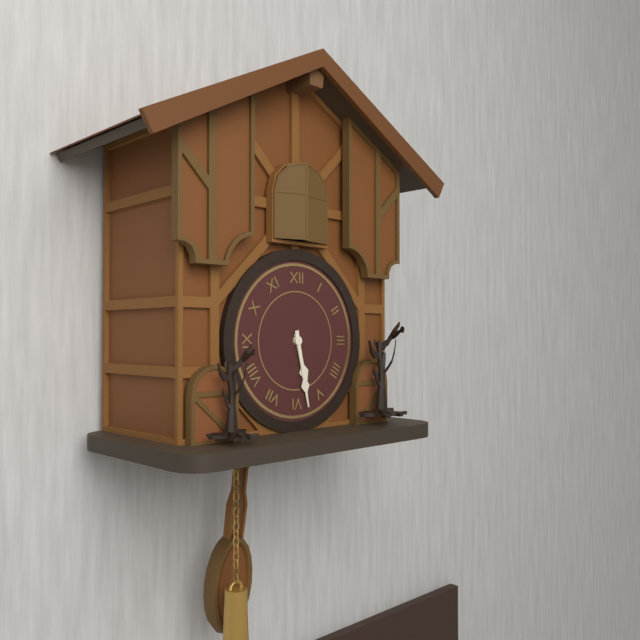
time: 5:28
